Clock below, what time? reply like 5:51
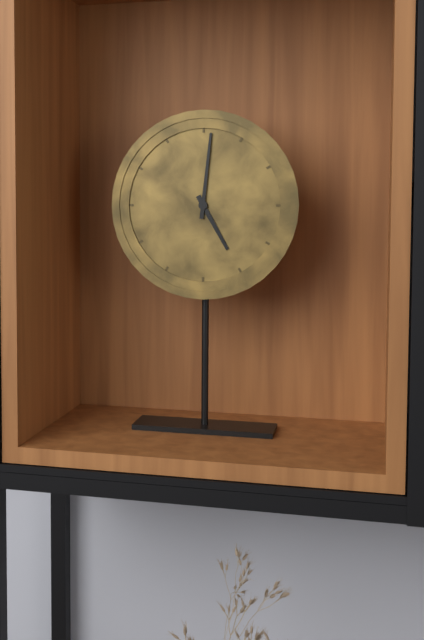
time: 5:01
